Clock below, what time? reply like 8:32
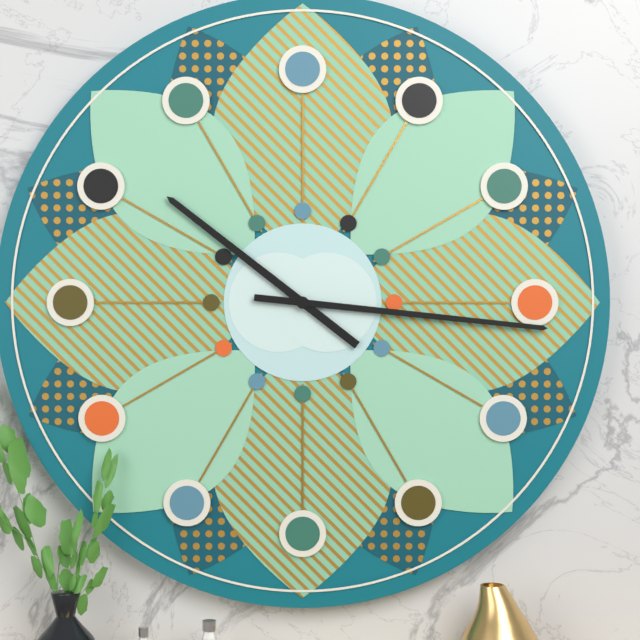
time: 10:16
